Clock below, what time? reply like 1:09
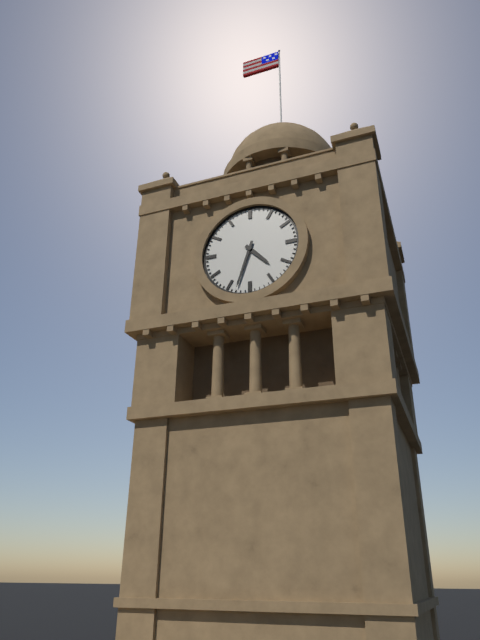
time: 4:33
